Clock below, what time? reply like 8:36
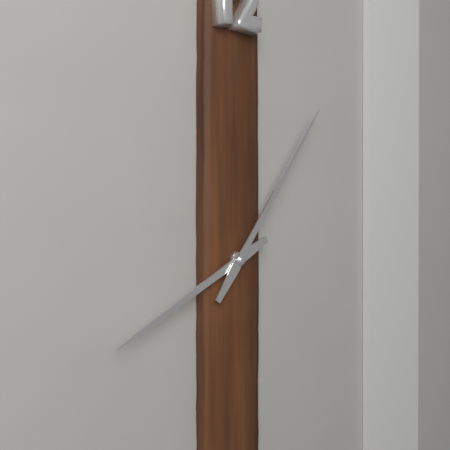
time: 8:06
